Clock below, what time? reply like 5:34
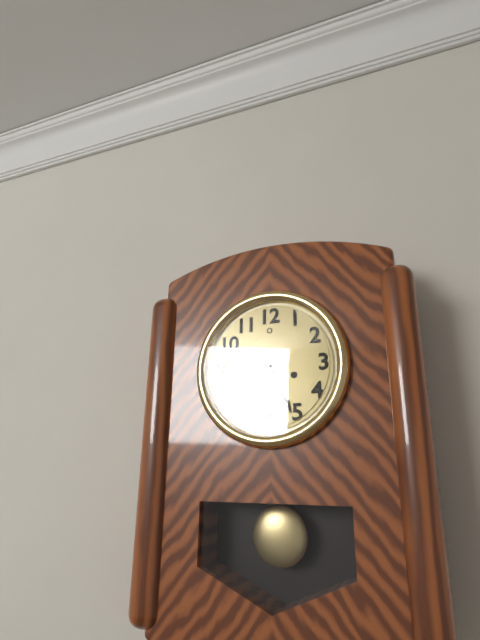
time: 9:26
